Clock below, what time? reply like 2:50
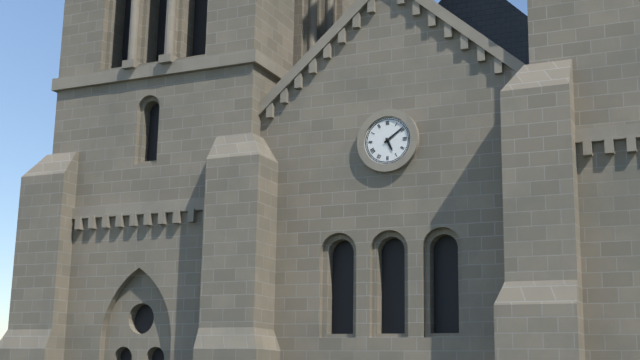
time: 5:09
